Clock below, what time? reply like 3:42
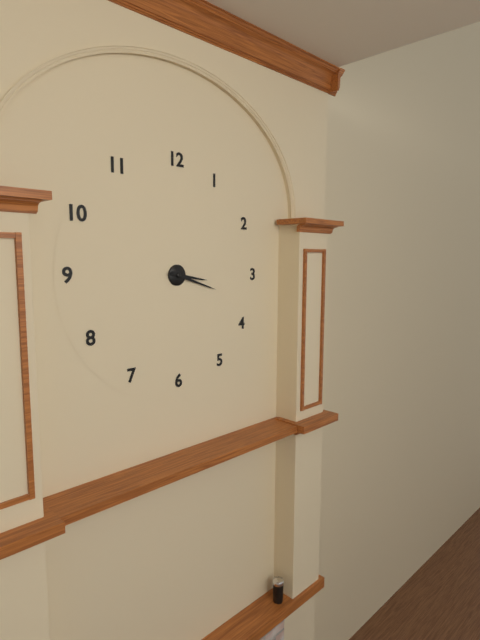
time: 3:18
